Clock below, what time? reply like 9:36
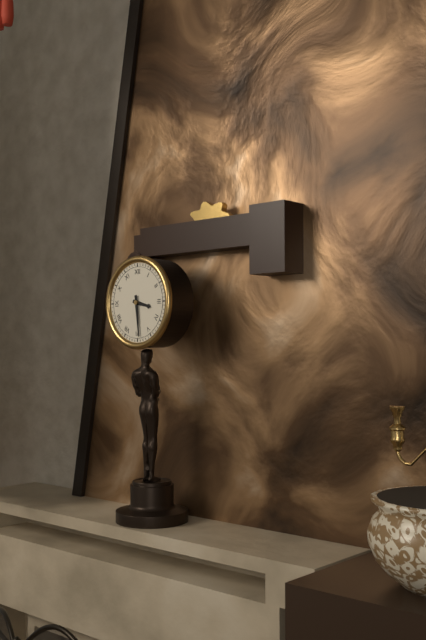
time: 3:29
